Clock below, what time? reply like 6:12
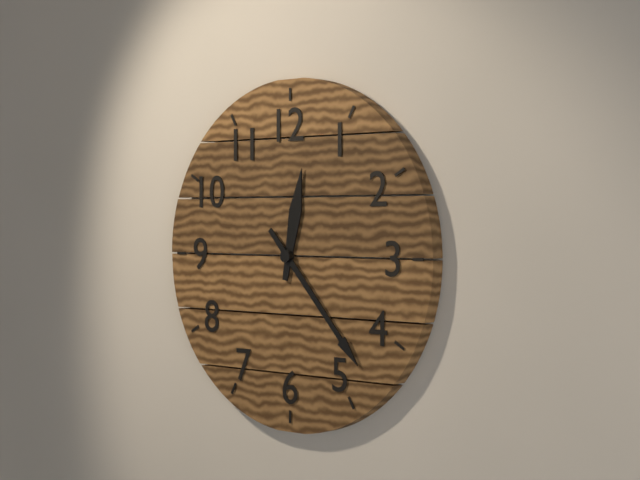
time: 12:23
